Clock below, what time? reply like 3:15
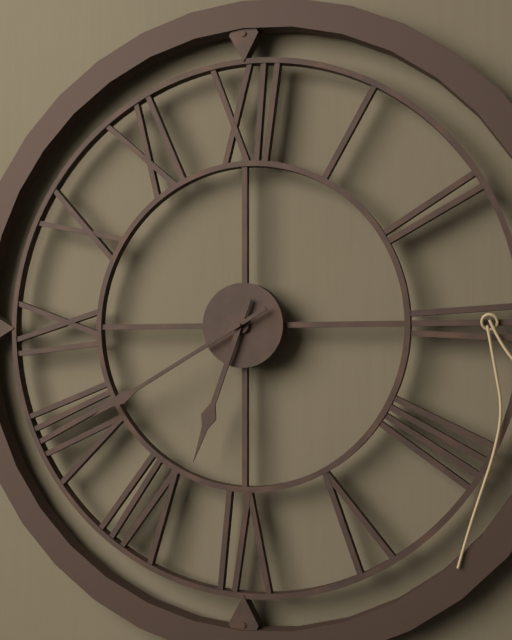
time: 6:40
